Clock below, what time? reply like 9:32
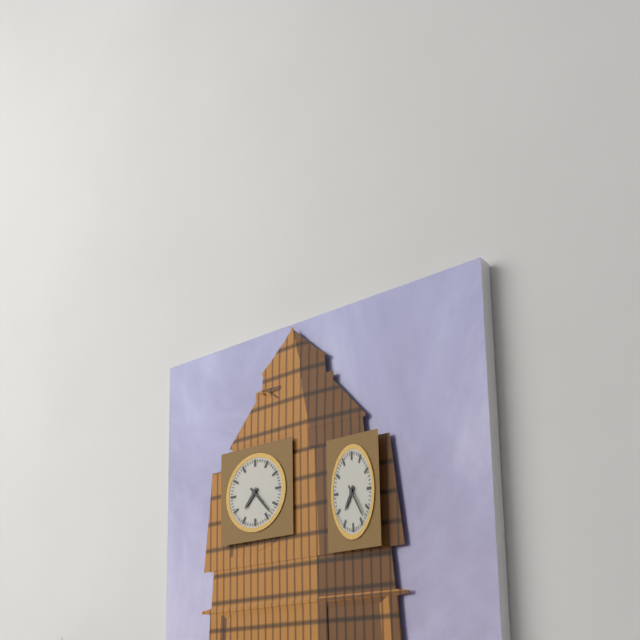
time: 7:23
